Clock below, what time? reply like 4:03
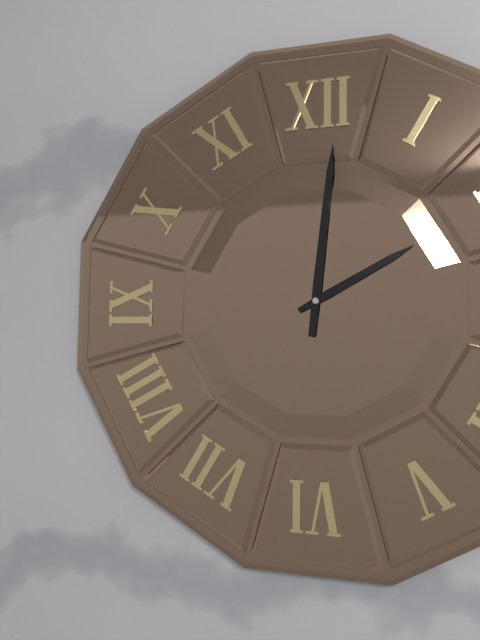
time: 2:01
